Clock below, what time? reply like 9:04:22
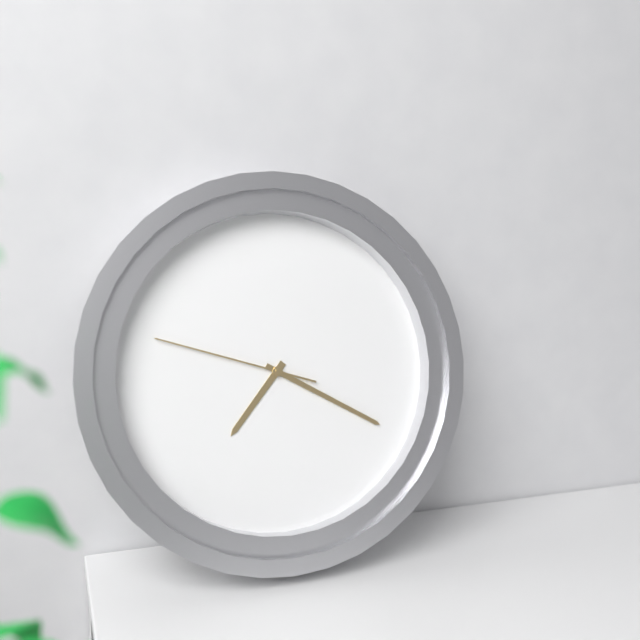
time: 7:20:48
